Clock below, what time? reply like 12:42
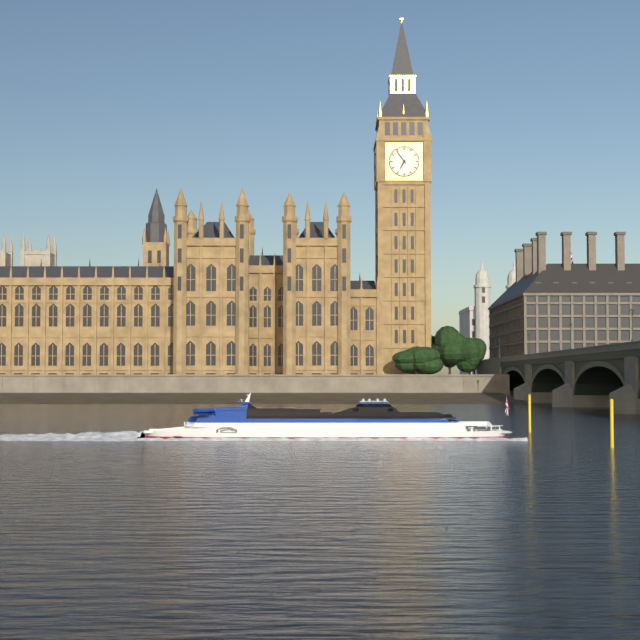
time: 6:54
